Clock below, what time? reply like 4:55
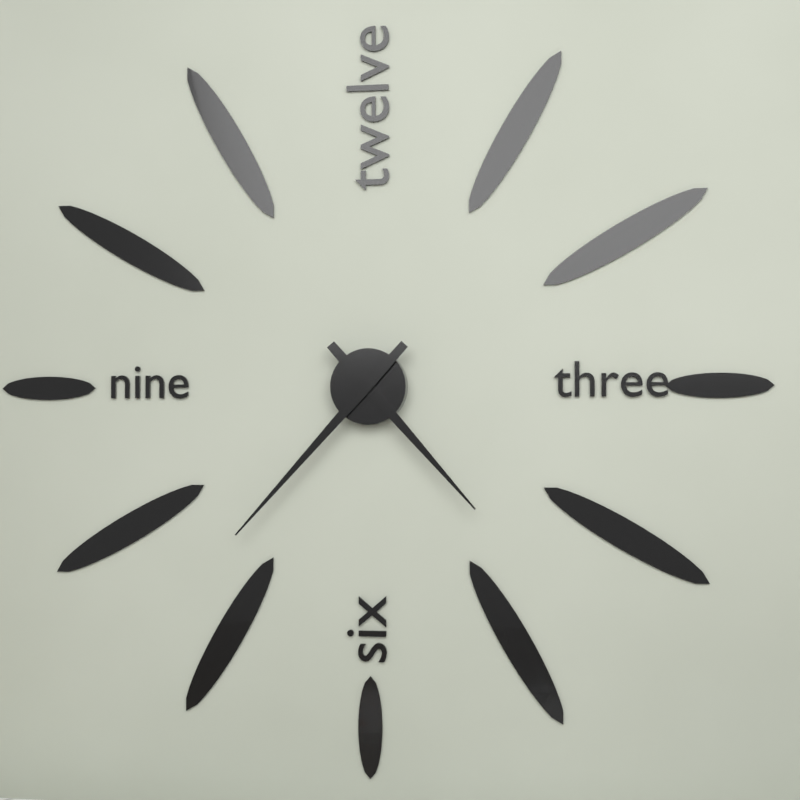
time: 4:37
